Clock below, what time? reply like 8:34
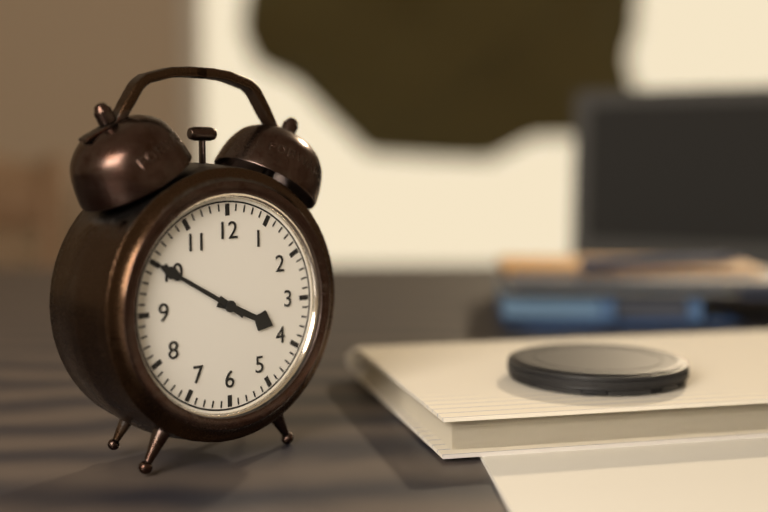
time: 3:50
